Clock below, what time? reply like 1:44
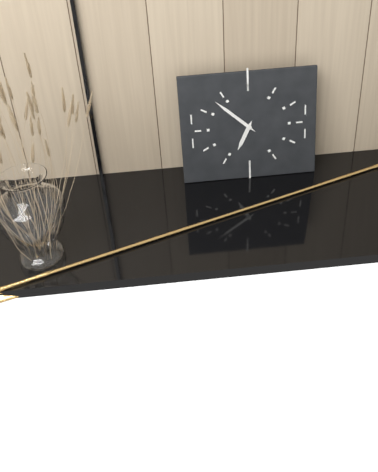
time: 6:52
